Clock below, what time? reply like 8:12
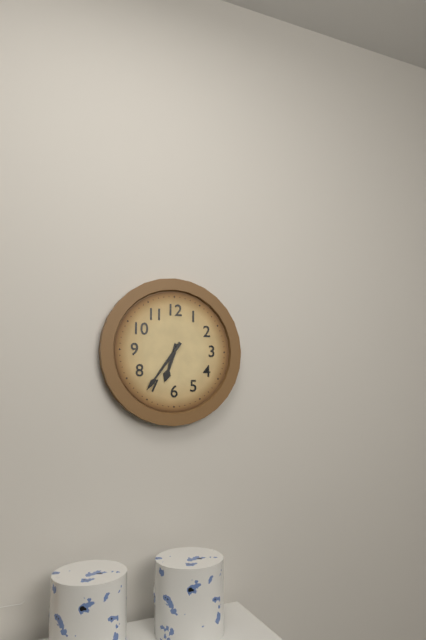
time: 6:36
